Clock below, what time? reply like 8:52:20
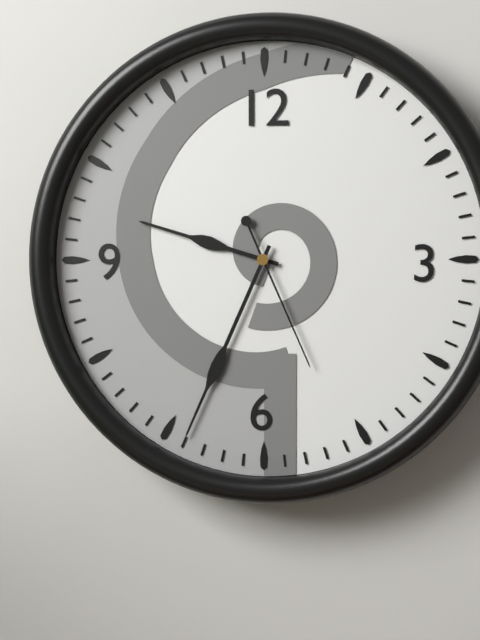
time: 9:34:26
